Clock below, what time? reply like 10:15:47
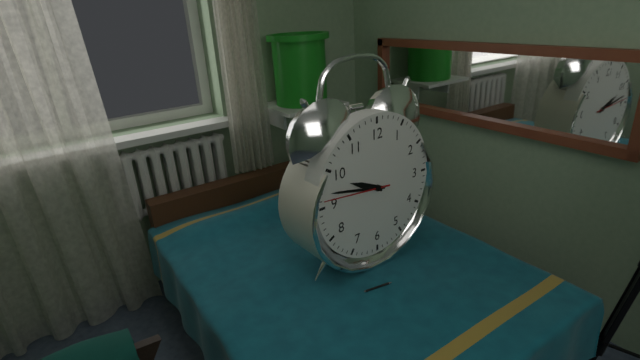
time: 9:47:46
